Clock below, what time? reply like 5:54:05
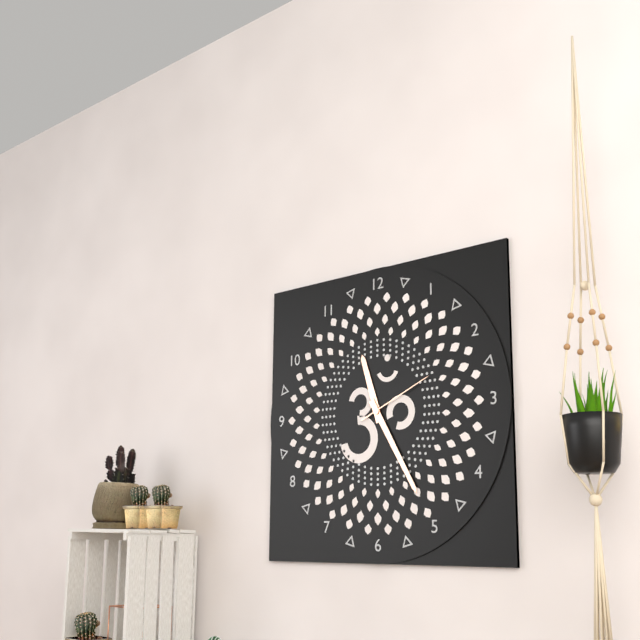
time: 11:25:11
